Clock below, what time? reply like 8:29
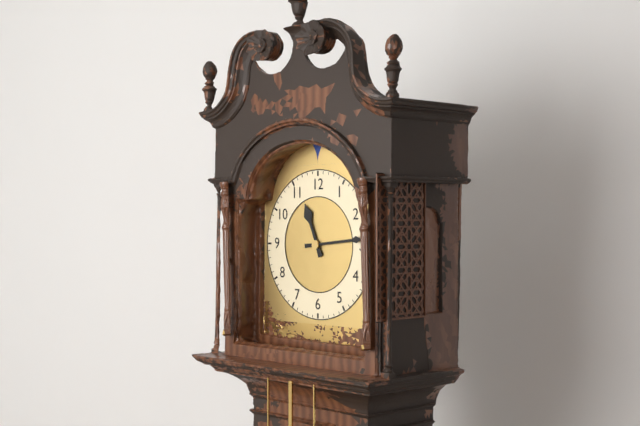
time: 11:14
